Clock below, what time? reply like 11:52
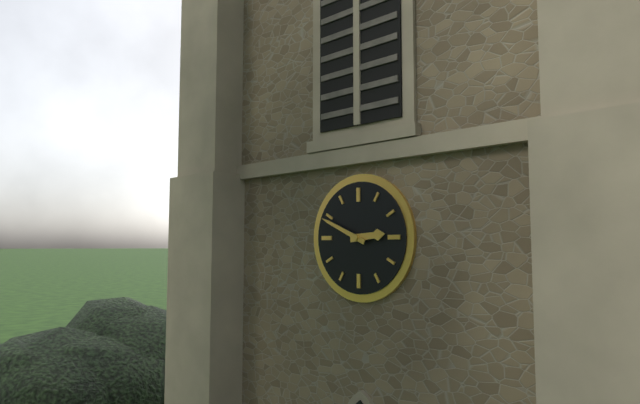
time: 2:49
